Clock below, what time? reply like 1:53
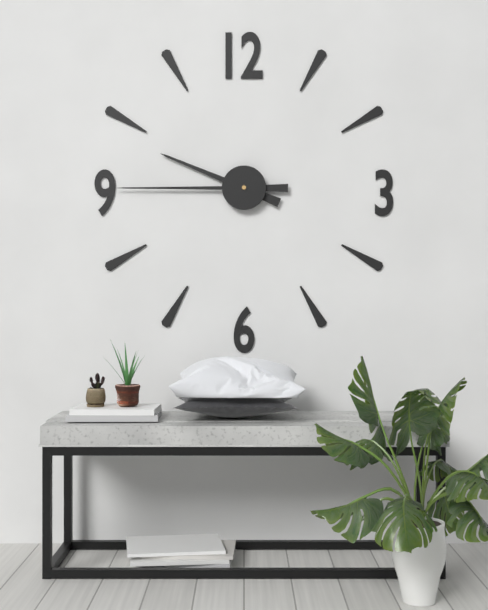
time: 9:45
